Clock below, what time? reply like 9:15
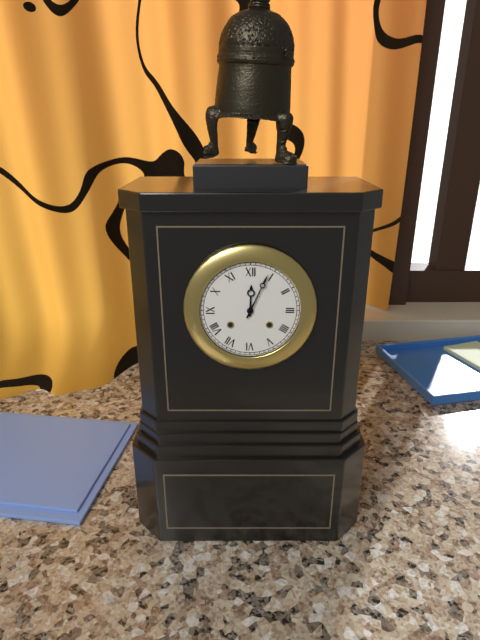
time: 12:04
